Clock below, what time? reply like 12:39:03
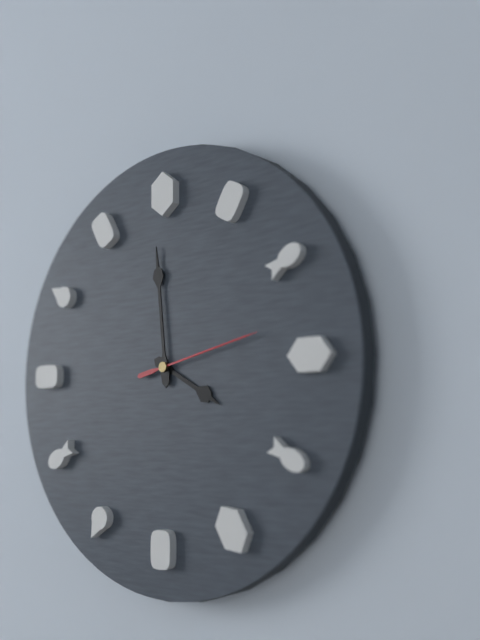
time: 3:59:13
